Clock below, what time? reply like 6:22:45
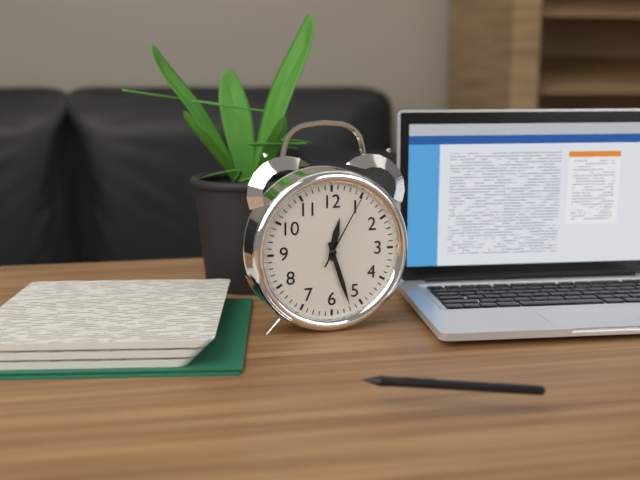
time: 12:27:05
